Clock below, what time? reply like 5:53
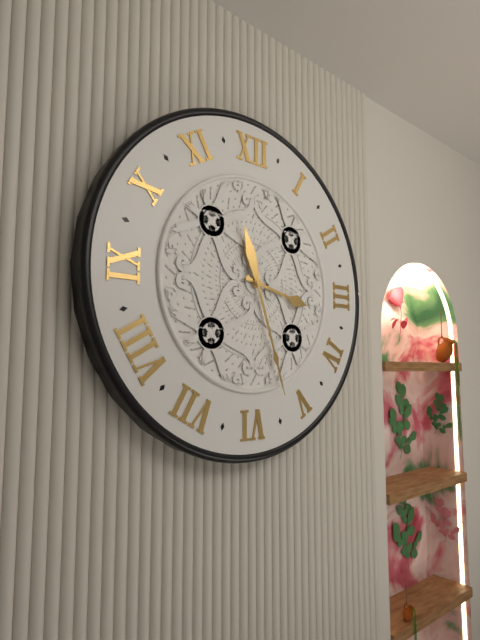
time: 3:27
